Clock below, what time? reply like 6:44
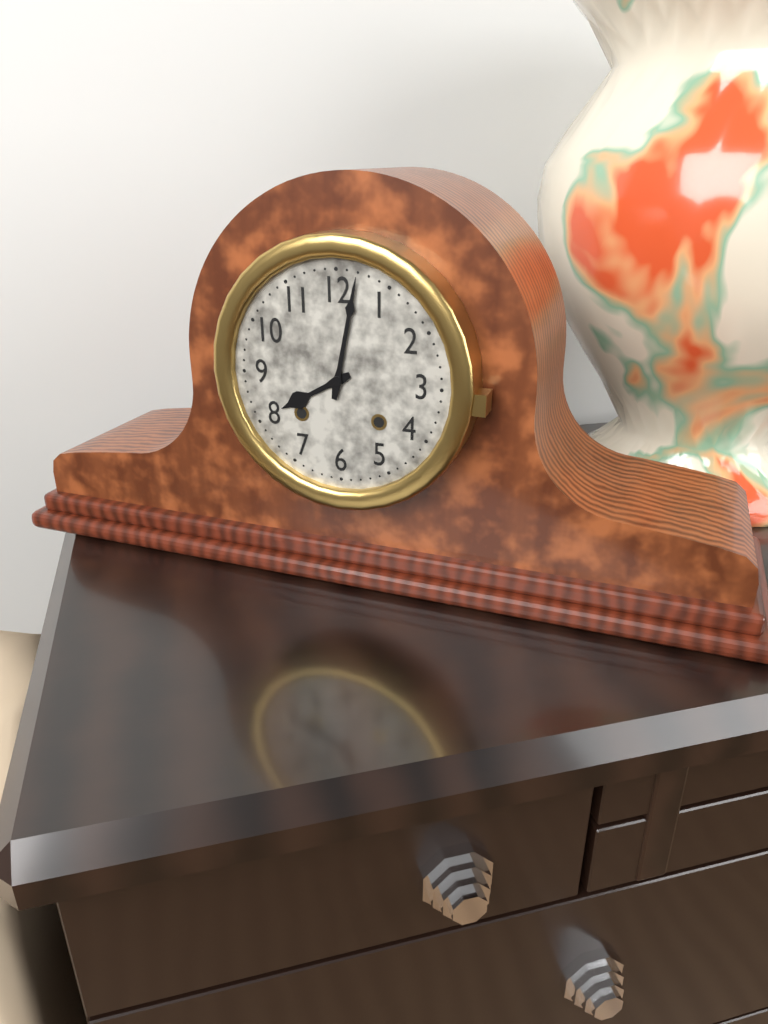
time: 8:02
